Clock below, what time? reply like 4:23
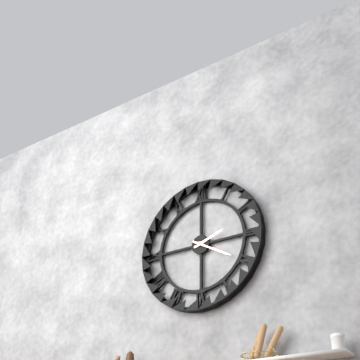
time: 2:20
